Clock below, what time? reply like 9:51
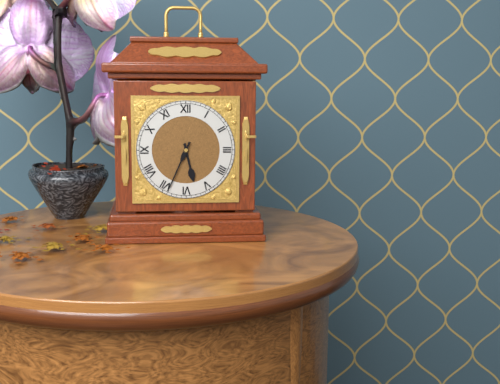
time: 5:34
